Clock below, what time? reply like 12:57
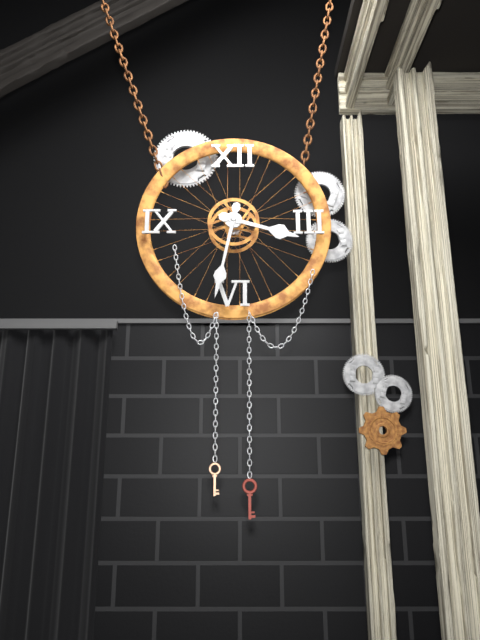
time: 3:32
